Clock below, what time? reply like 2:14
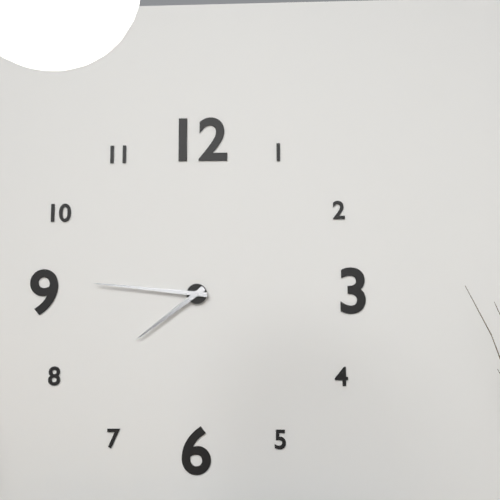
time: 7:46
